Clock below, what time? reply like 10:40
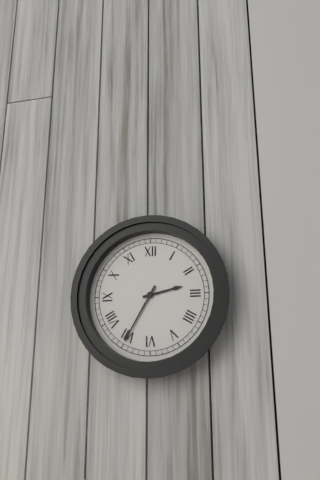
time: 2:35
